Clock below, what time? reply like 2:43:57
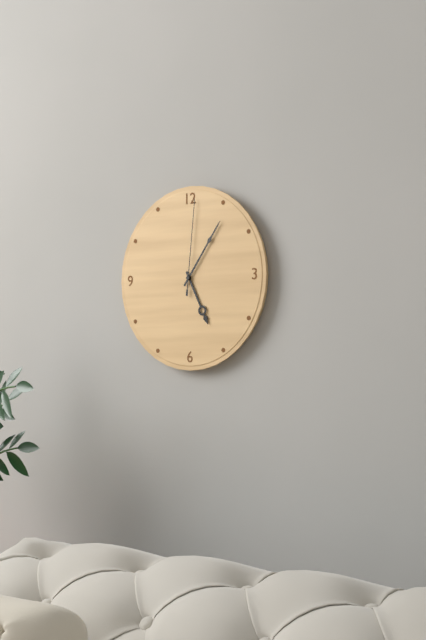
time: 5:06:01
